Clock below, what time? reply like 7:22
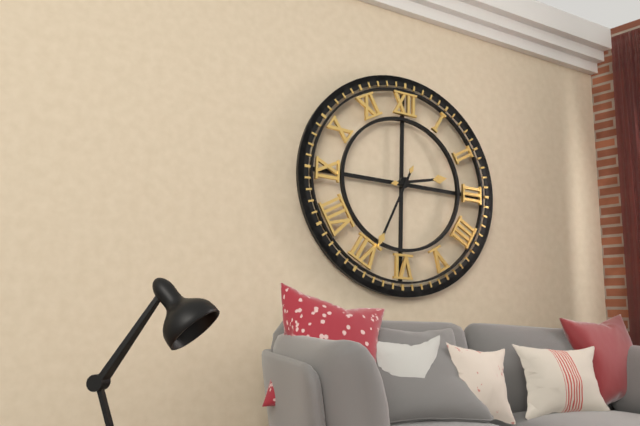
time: 2:34
